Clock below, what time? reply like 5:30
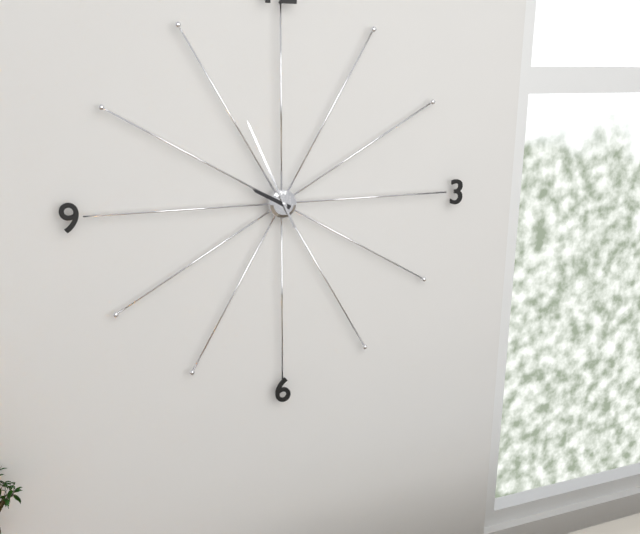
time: 9:56
